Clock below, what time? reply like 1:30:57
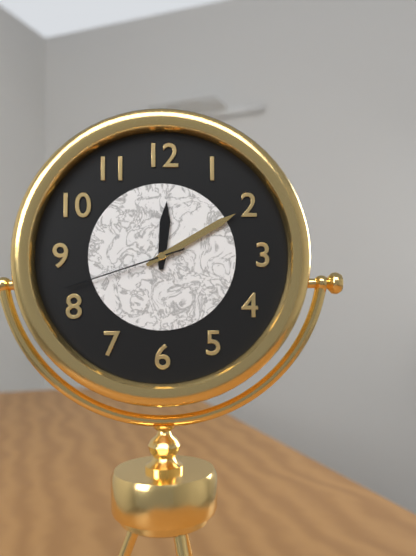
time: 12:10:42
